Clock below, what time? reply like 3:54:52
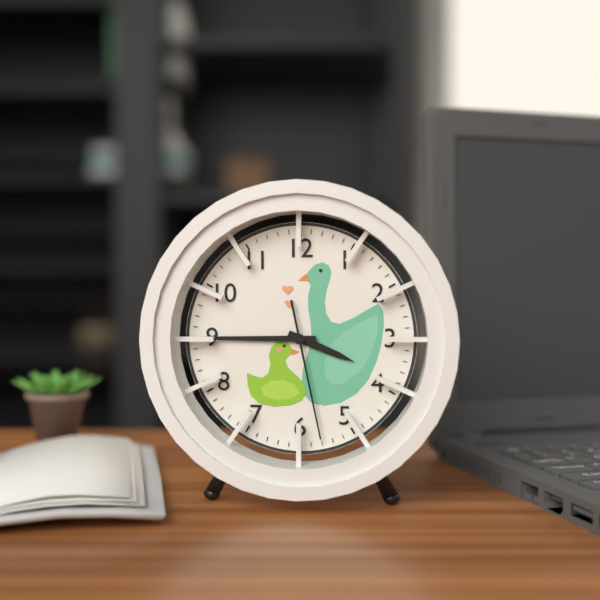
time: 3:45:28
